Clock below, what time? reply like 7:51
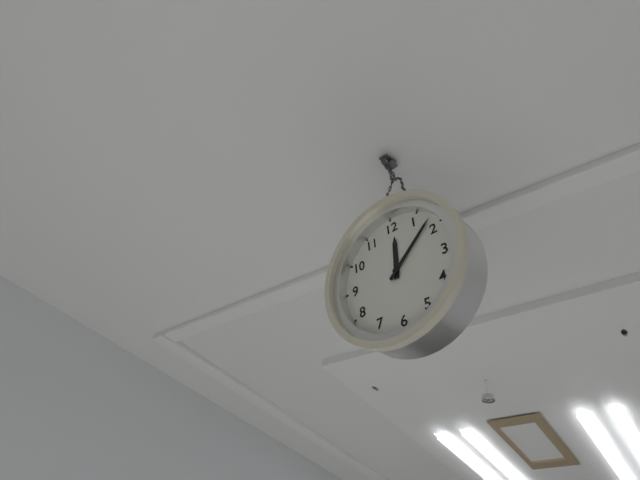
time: 12:08
